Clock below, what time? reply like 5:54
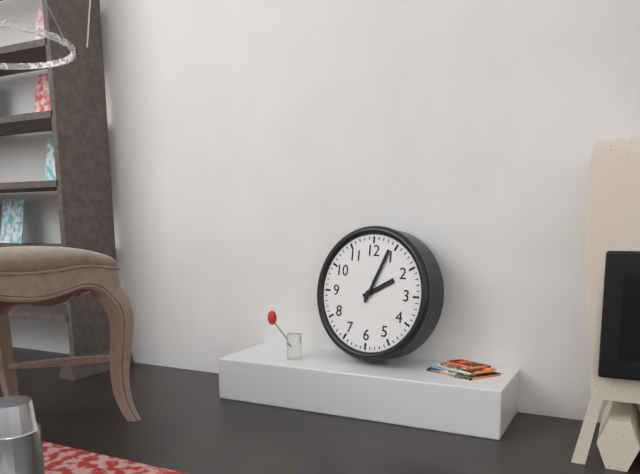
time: 2:04
